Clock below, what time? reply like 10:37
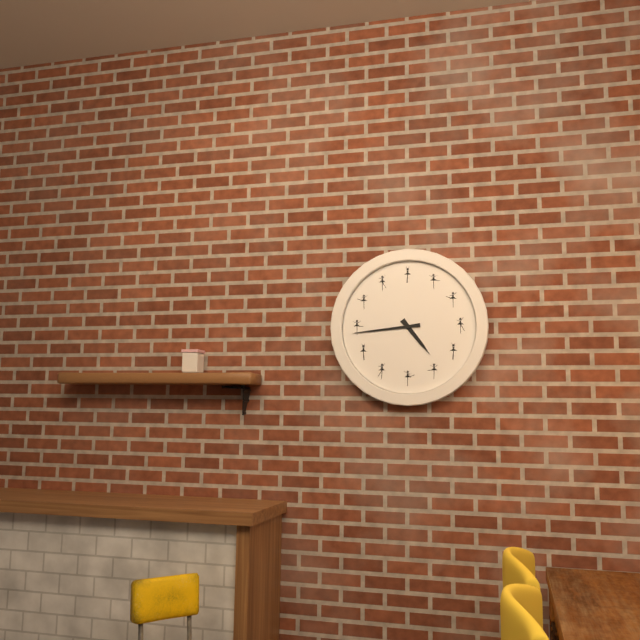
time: 4:44
